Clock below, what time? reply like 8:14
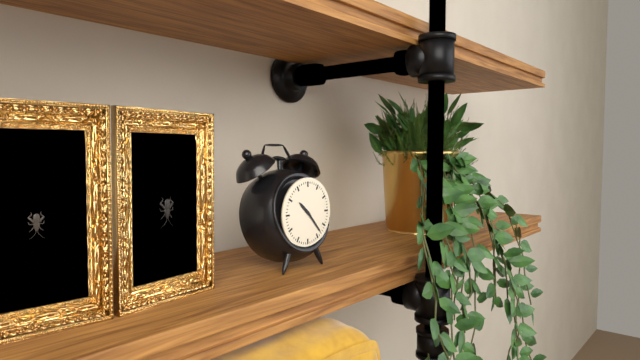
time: 10:23
